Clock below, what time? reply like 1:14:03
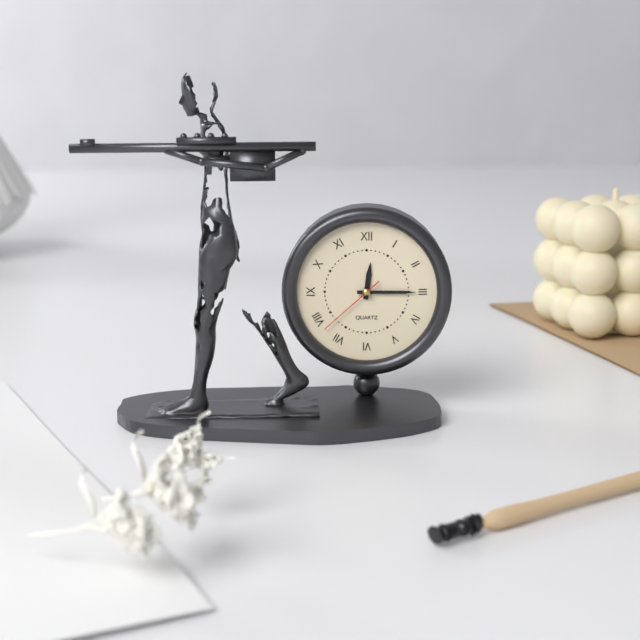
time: 12:15:38
